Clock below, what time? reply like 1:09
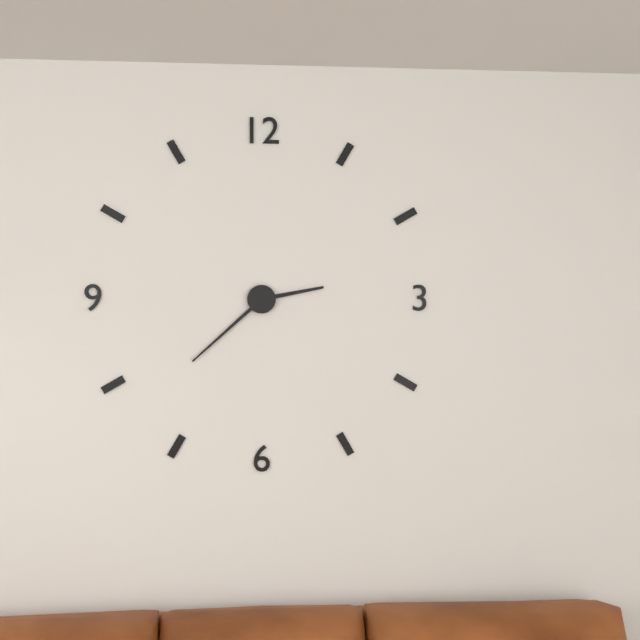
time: 2:38
